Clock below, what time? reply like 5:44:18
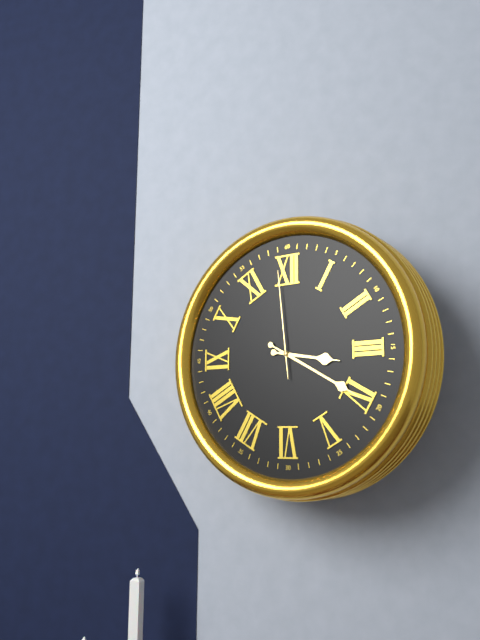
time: 3:20:59
